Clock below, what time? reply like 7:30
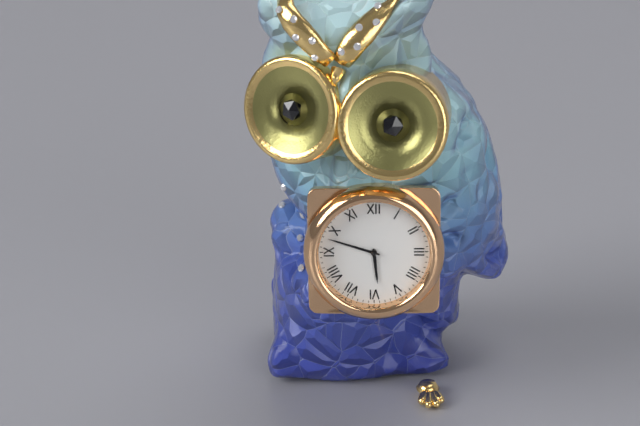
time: 5:48
